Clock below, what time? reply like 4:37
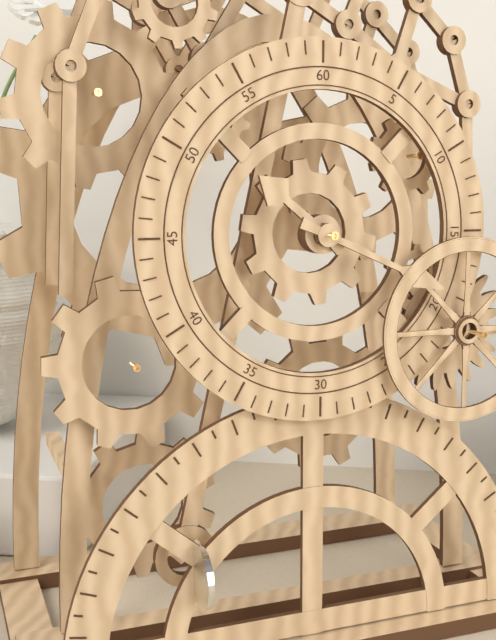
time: 10:19
